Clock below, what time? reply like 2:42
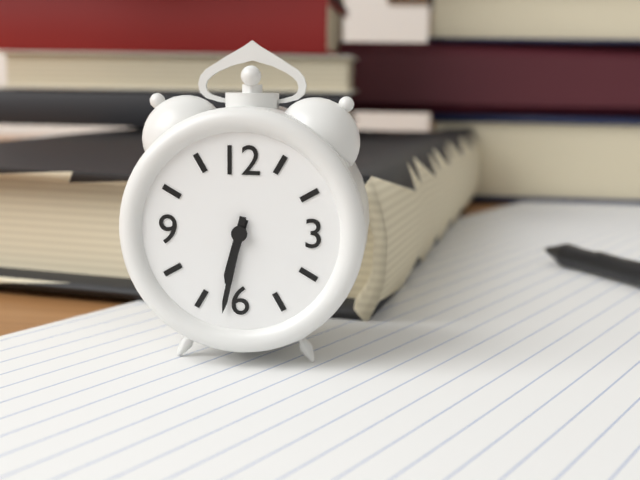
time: 6:32
